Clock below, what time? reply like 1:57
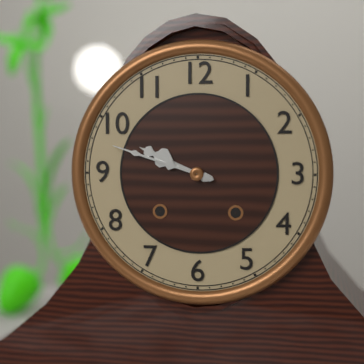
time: 9:48
